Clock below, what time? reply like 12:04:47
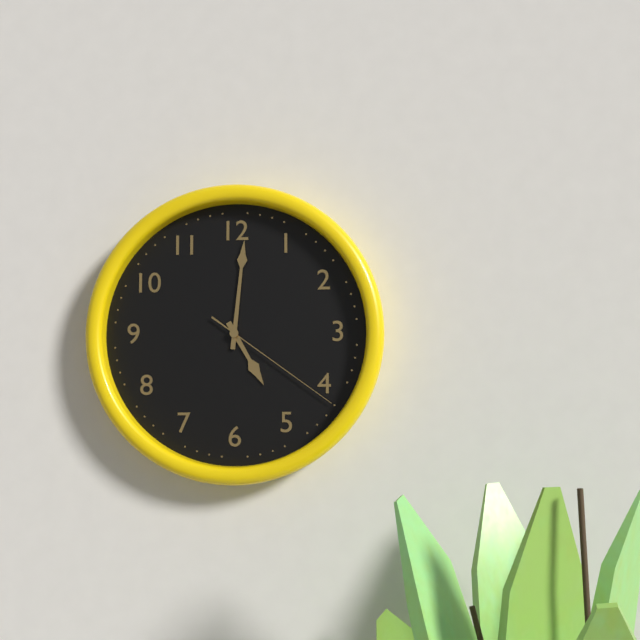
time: 5:01:21
